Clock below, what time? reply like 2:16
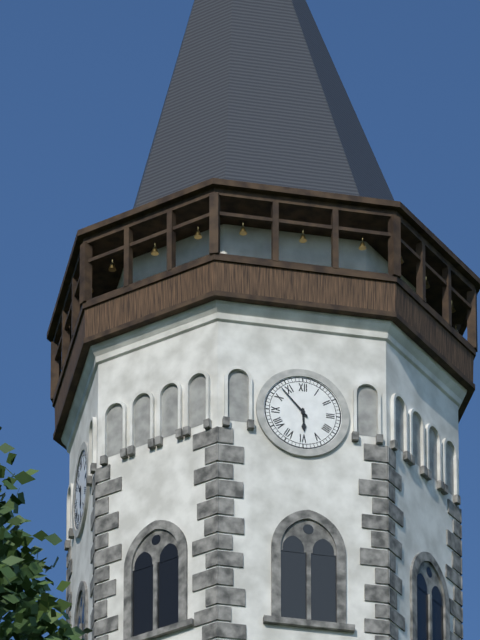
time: 5:53
